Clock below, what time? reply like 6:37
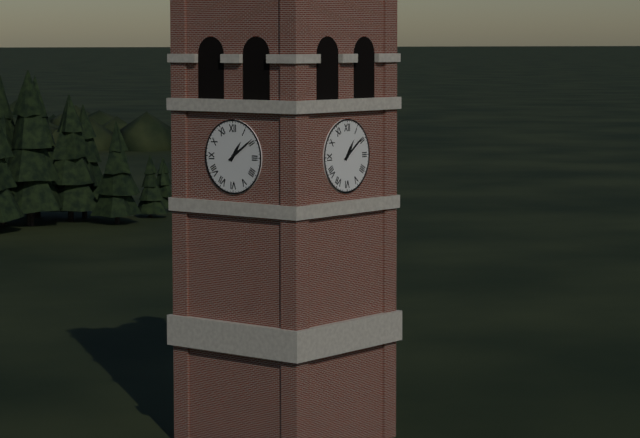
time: 1:09
